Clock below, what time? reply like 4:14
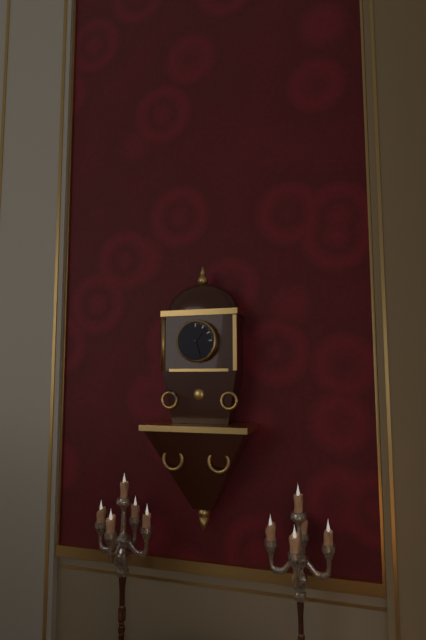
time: 1:27
